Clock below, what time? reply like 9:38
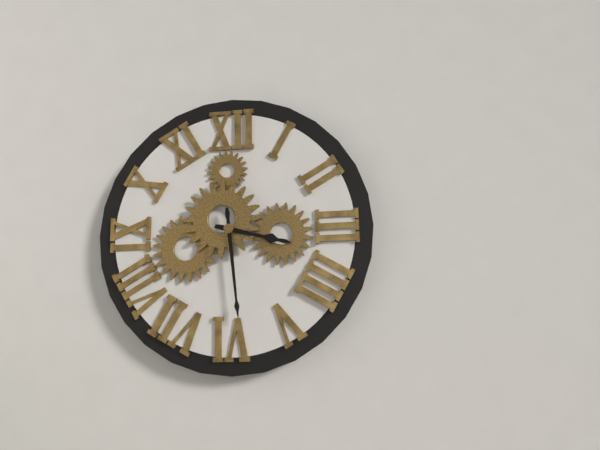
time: 3:29
